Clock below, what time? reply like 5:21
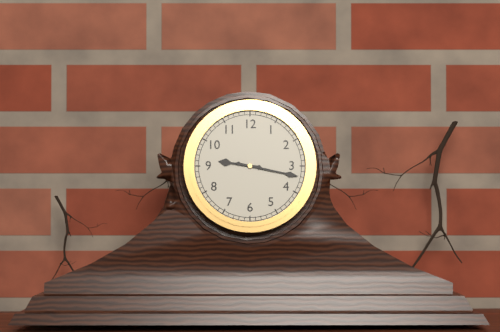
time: 9:17
